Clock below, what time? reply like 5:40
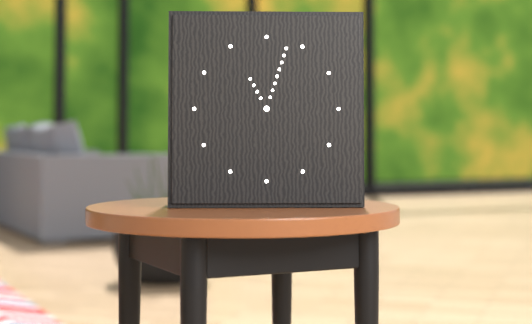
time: 11:03
